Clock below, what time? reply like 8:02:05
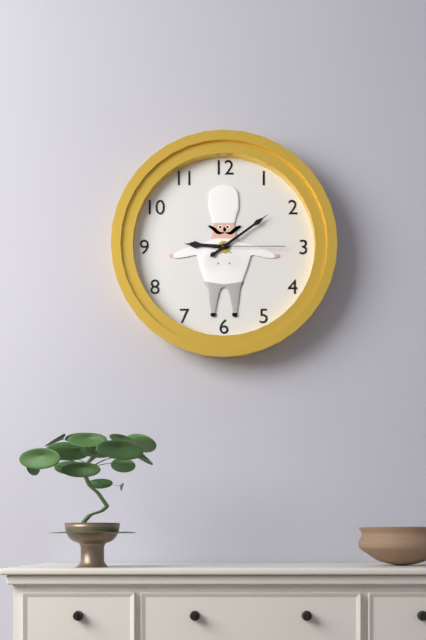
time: 9:09:15
